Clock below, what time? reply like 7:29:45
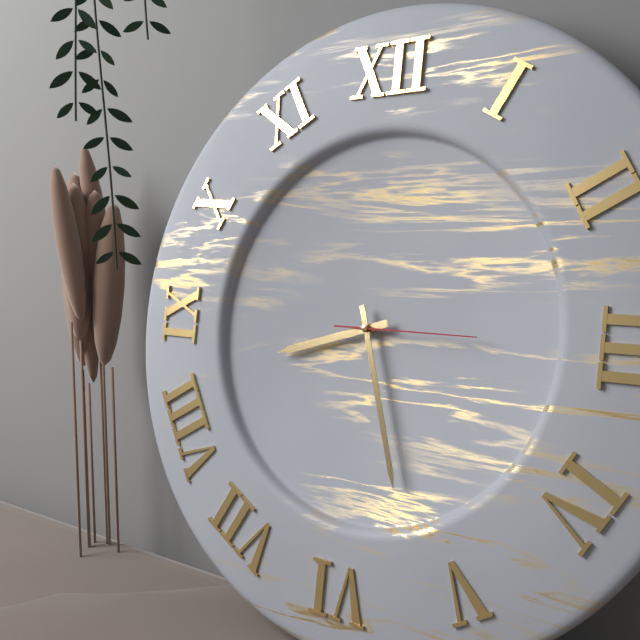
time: 8:27:15
